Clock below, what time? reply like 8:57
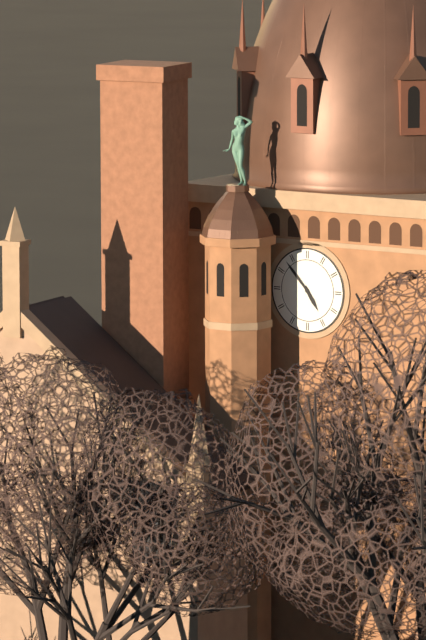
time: 4:53
